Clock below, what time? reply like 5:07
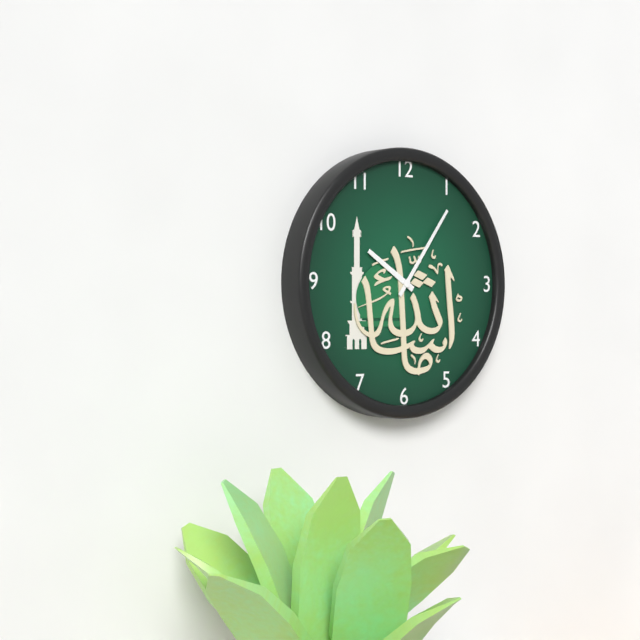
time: 10:06
